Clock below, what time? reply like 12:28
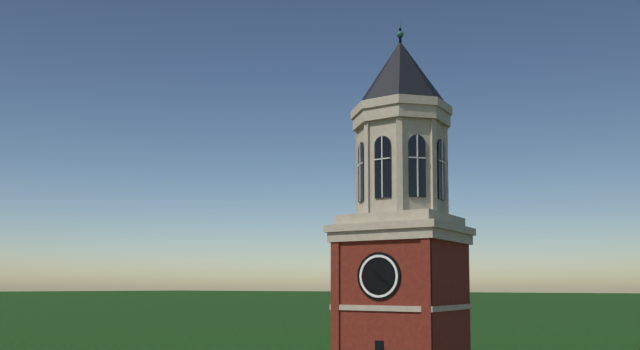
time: 10:21
